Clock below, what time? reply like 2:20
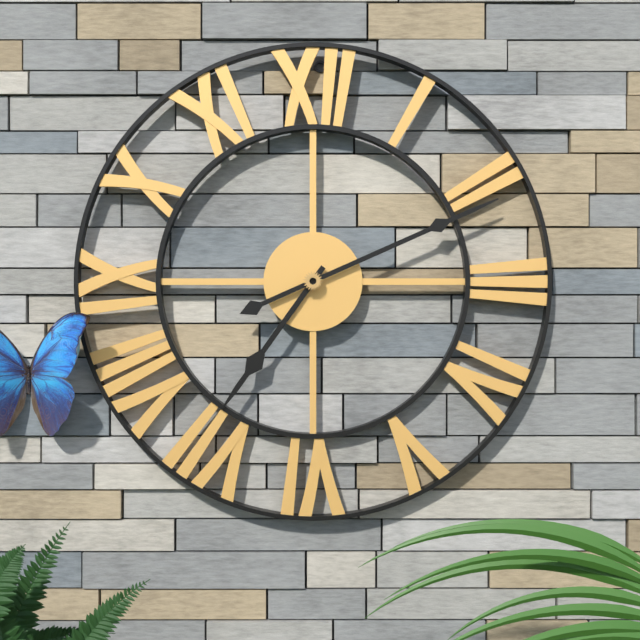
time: 7:11
